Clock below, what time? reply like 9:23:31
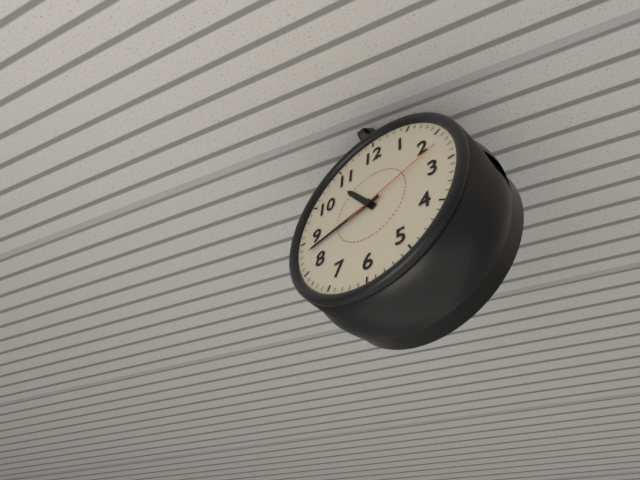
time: 10:43:12
